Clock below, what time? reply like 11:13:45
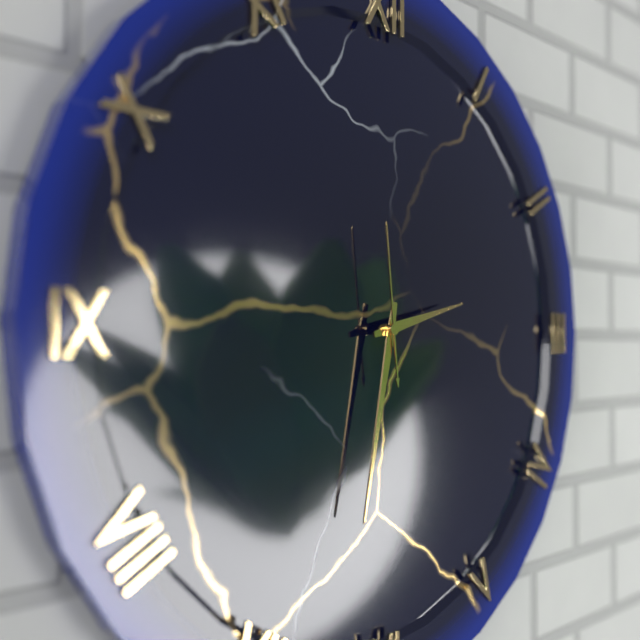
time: 2:32:59
